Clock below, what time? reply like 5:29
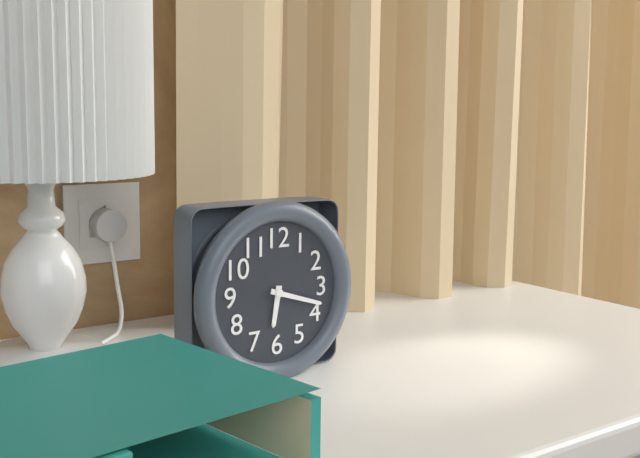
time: 6:18
